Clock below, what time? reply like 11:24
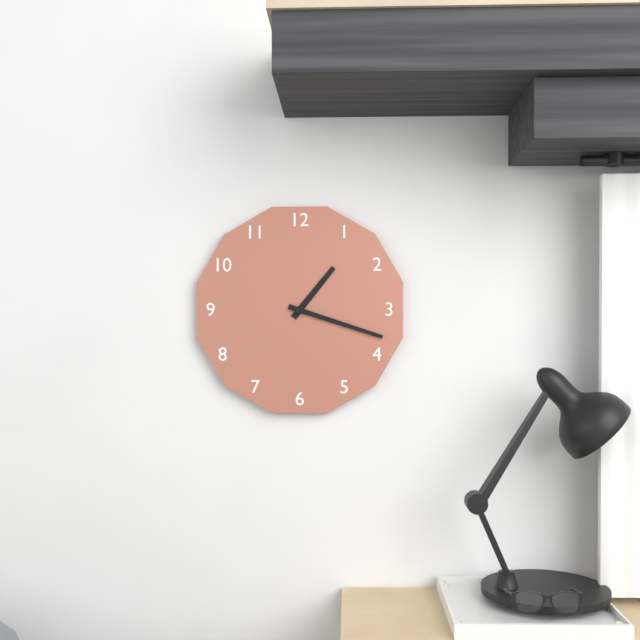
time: 1:18
